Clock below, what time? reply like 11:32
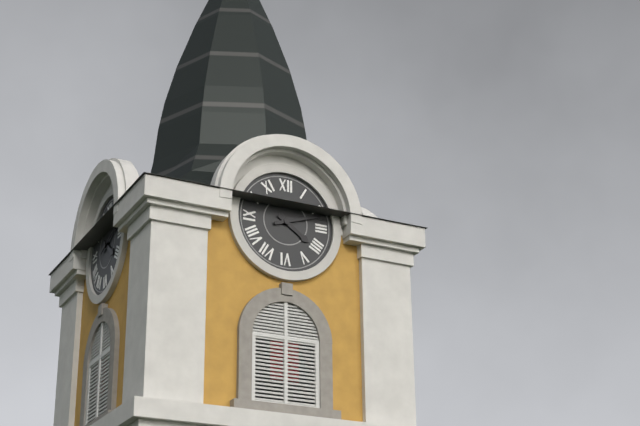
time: 4:12
